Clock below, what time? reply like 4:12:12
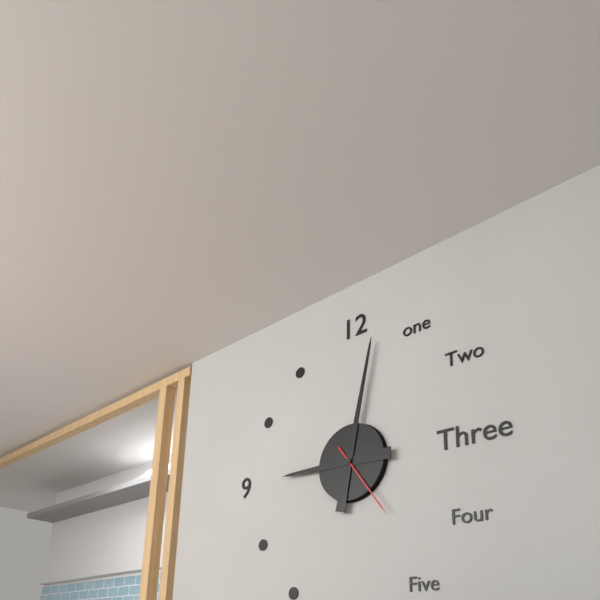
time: 9:02:24
